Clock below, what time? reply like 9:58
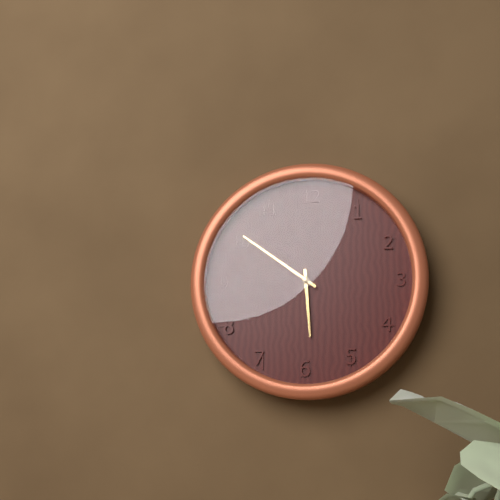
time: 5:51
